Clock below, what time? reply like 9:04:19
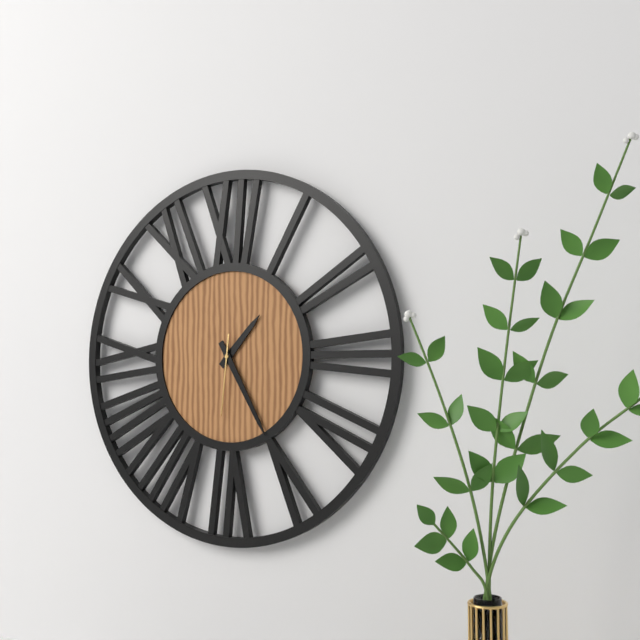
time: 1:25:31
